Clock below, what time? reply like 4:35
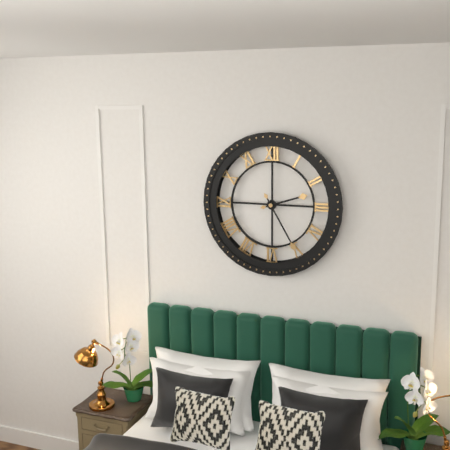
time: 2:25
